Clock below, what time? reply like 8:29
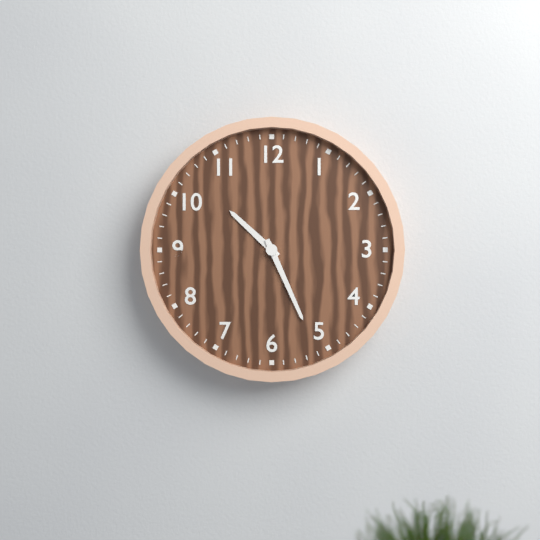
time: 10:26
